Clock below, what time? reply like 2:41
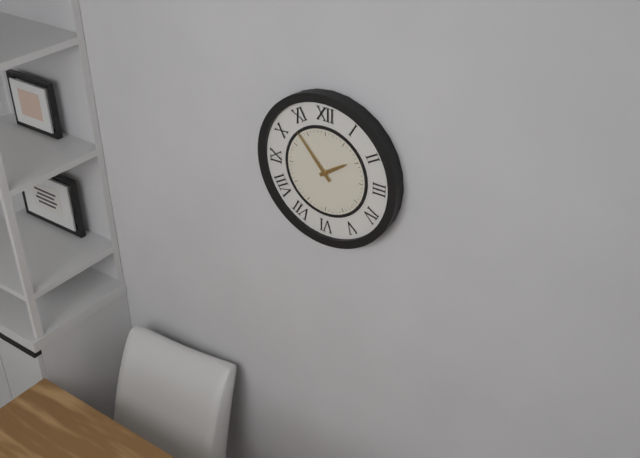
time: 1:53
